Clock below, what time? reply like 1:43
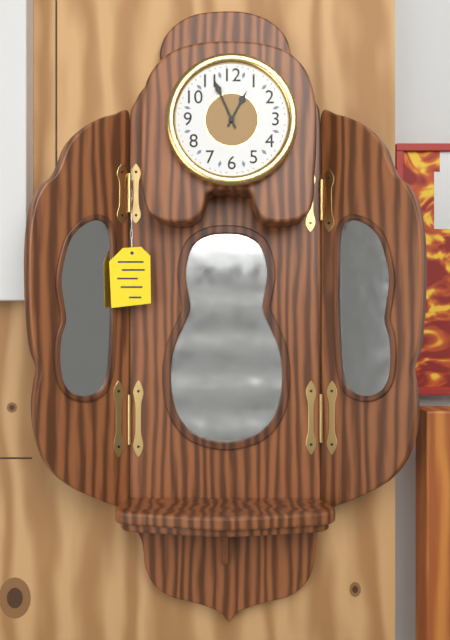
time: 12:56
